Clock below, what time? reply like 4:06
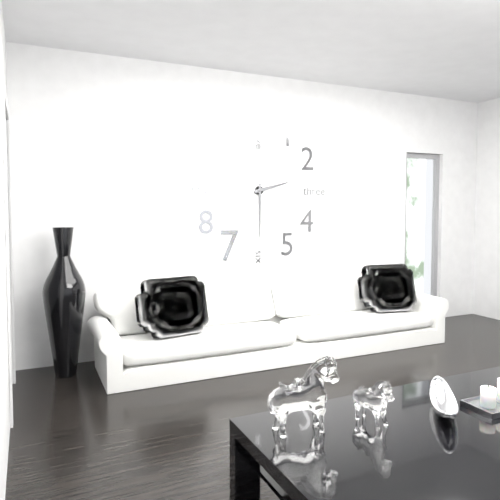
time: 2:30
